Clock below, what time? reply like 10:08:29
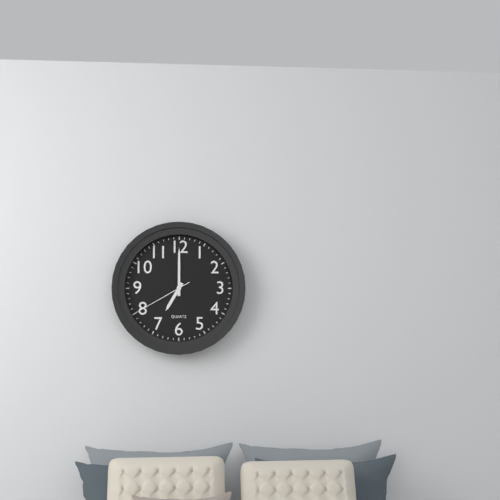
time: 7:00:40
